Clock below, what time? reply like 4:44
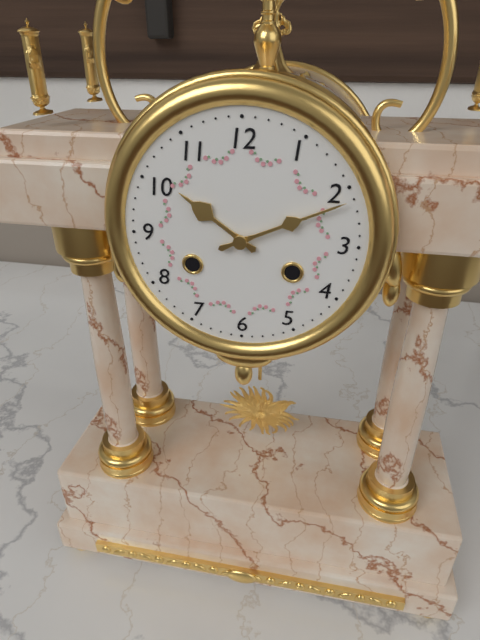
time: 10:11
